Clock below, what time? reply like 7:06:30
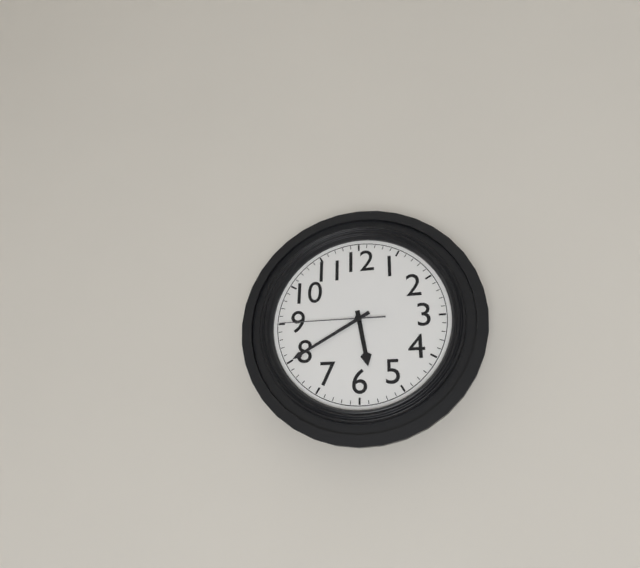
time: 5:40:45
